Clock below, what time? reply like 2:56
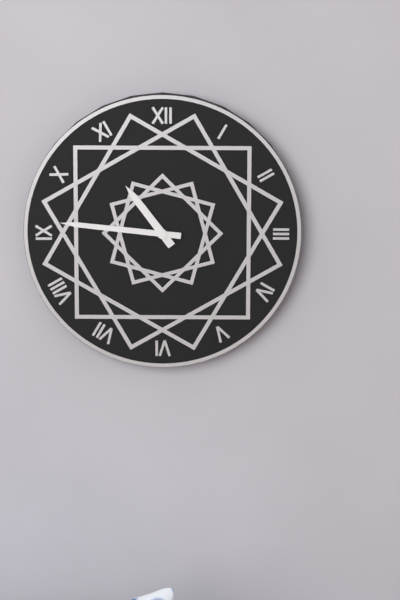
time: 10:46
